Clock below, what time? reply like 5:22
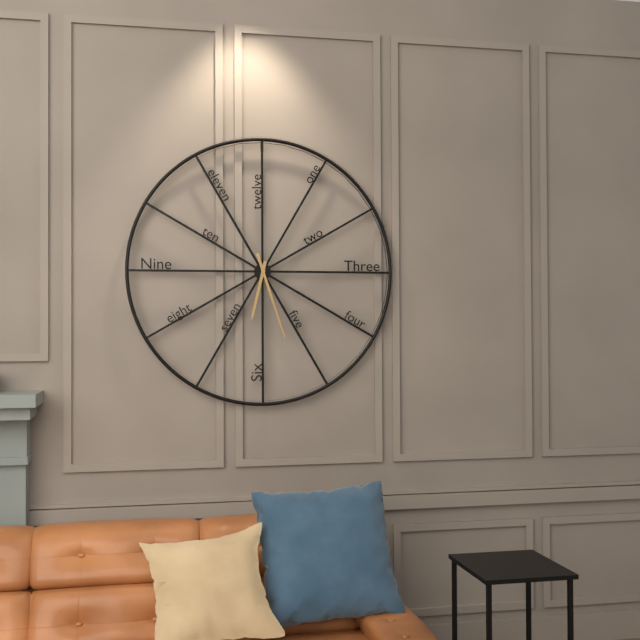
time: 6:27
